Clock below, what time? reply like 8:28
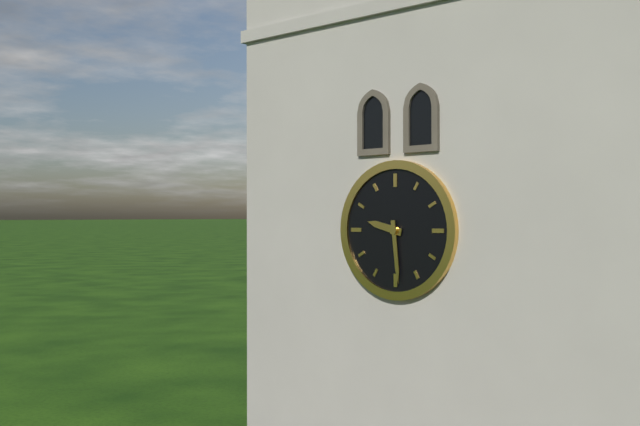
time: 9:29
